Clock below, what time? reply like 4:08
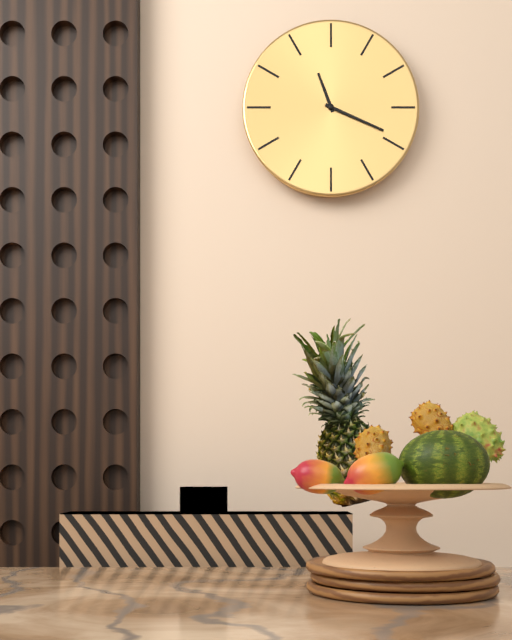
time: 11:19
